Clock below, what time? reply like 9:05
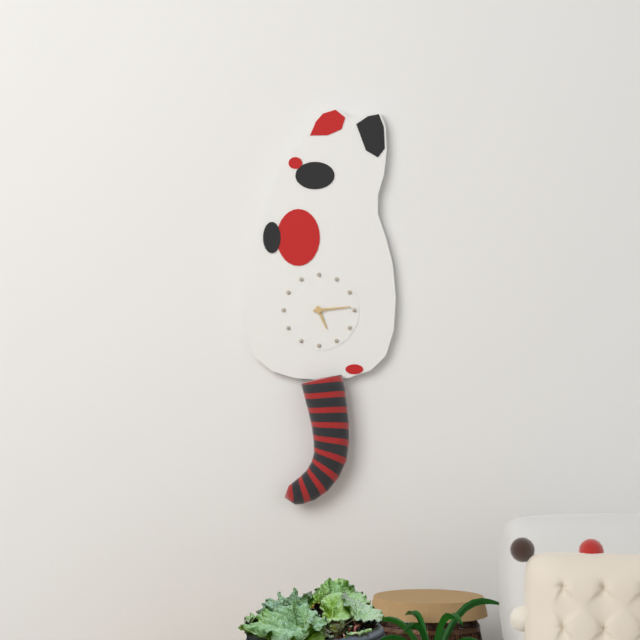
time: 5:14
